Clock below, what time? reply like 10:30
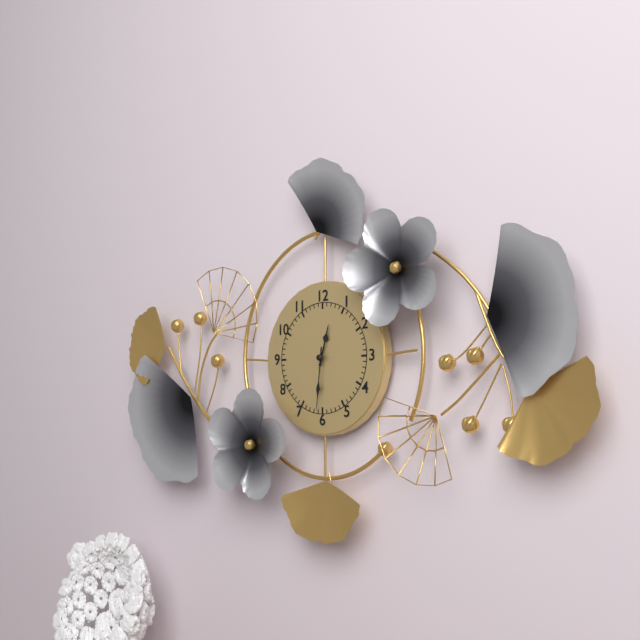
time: 12:31
